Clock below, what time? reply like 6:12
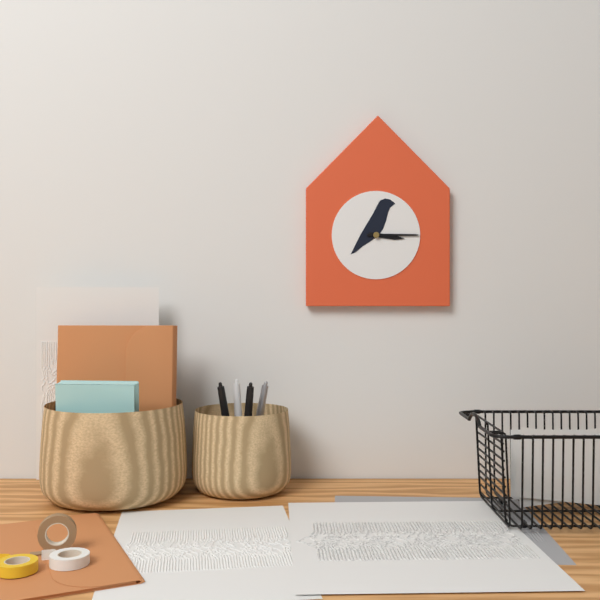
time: 3:15
